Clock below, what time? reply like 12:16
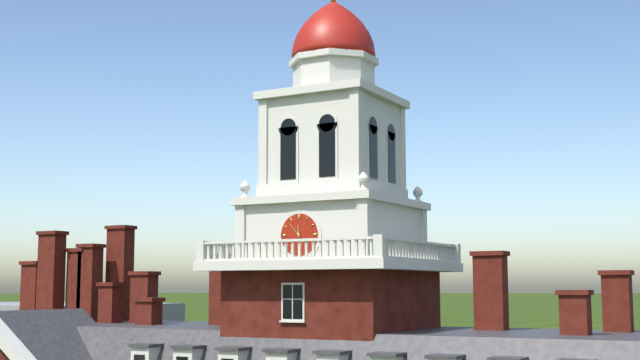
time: 11:53
